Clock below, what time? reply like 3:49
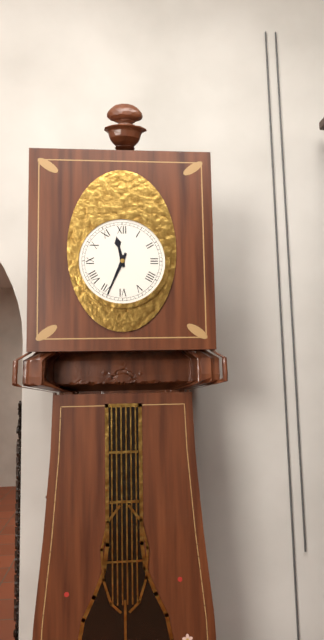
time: 11:34
